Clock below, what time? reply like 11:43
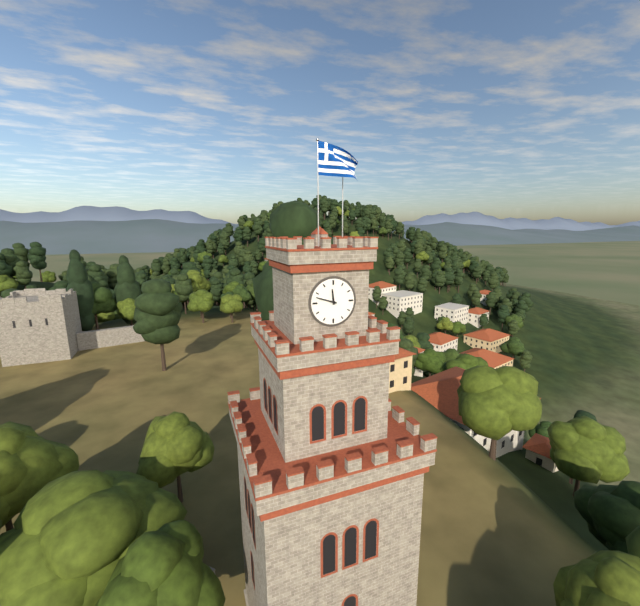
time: 11:48
